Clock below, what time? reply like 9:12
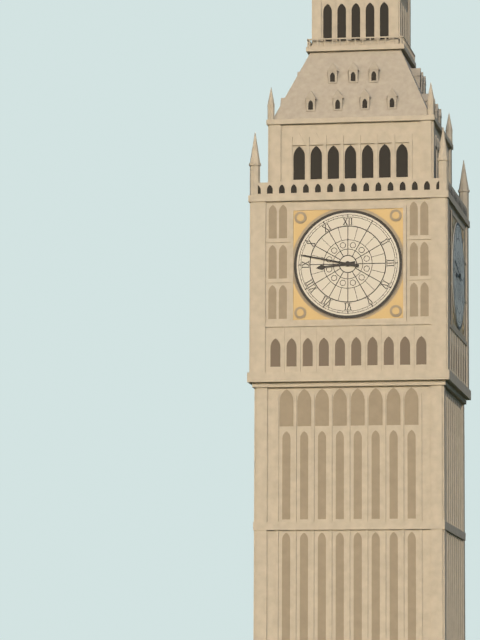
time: 8:47
